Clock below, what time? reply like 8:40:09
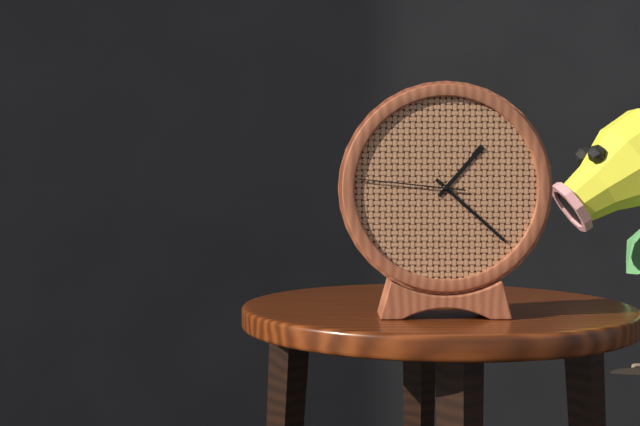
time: 1:22:46
